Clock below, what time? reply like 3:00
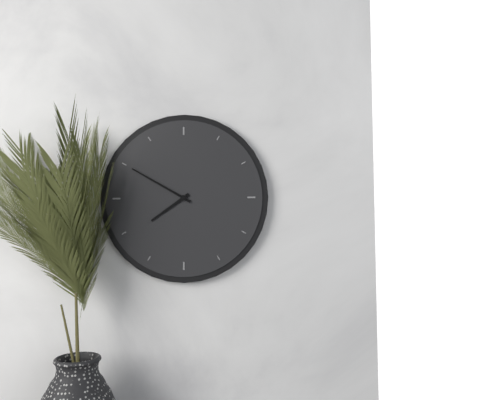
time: 7:50
